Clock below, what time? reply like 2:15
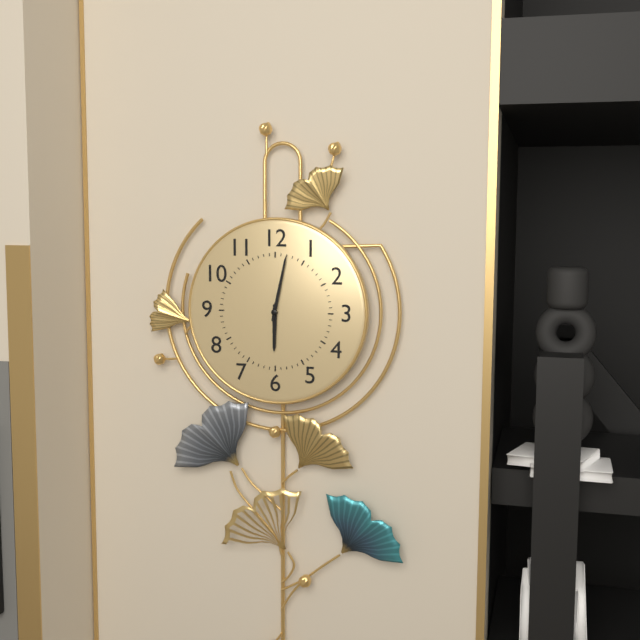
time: 6:02
